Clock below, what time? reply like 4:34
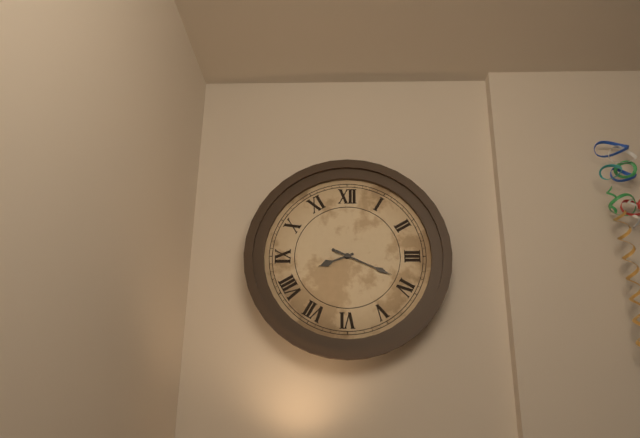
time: 8:19
